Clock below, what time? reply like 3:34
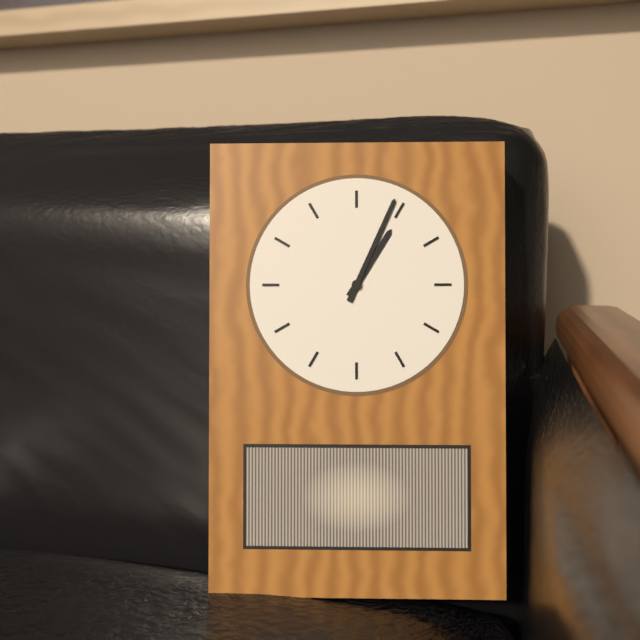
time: 1:04
